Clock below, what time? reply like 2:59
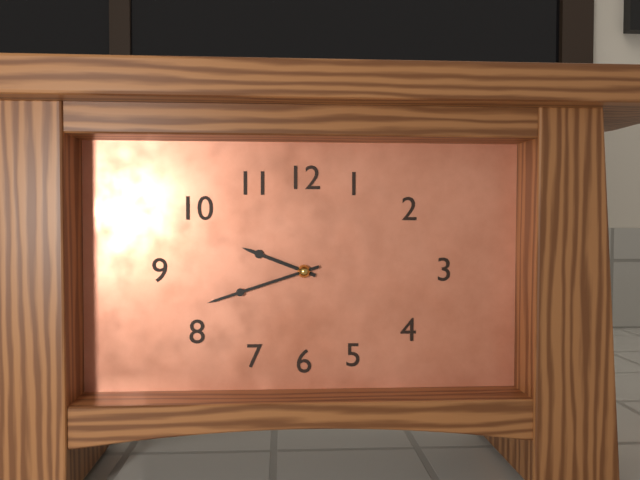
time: 9:42
